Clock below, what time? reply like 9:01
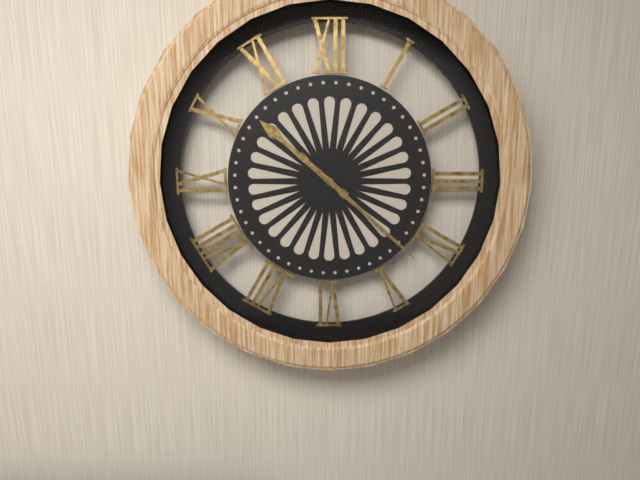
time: 10:22
